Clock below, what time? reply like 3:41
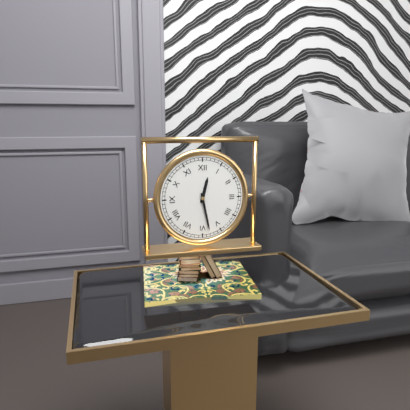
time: 12:28
